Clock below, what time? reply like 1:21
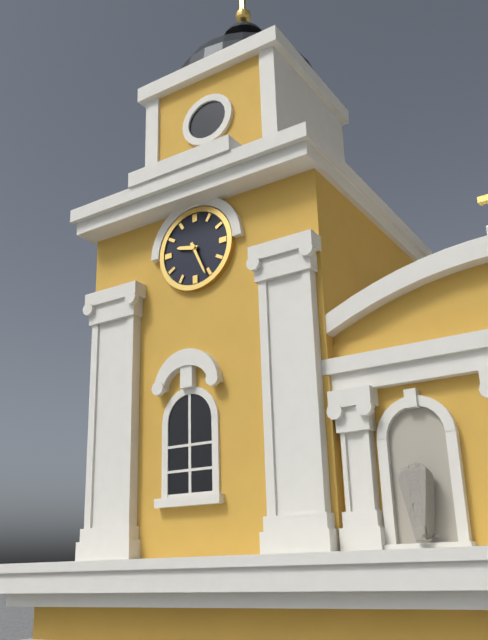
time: 9:26
